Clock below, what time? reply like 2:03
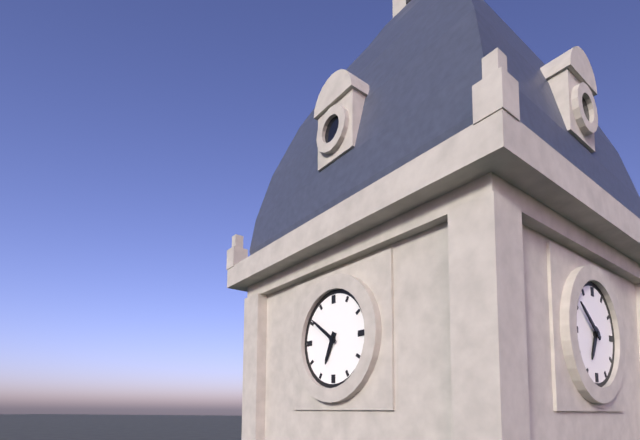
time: 6:51
